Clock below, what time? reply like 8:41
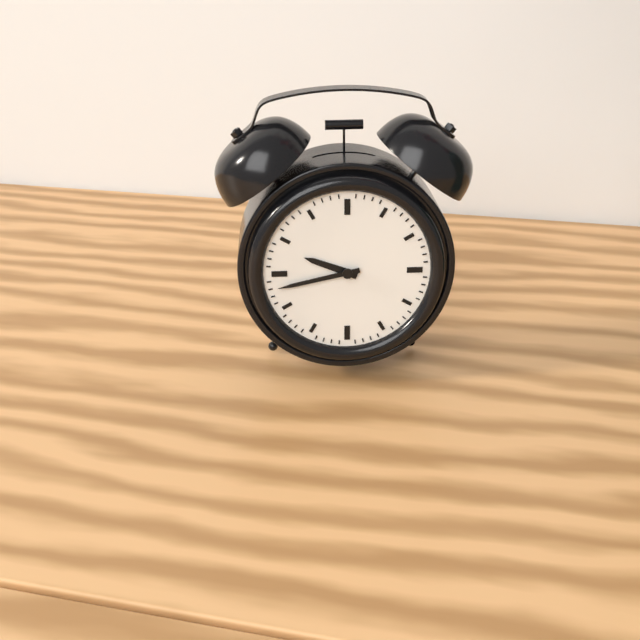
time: 9:43
